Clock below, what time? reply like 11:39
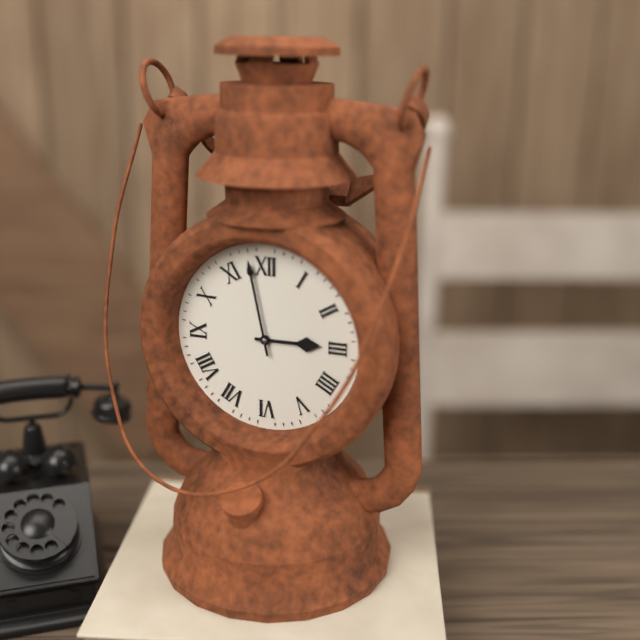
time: 2:58
